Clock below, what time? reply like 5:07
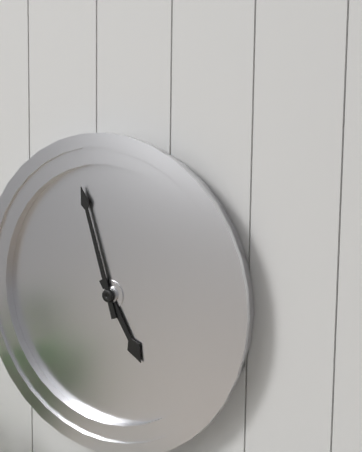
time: 4:57
